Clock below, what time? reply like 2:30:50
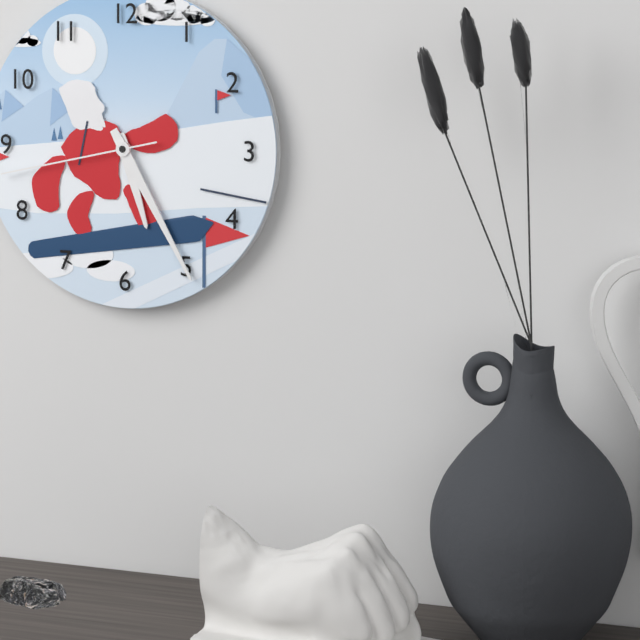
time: 5:25:43
